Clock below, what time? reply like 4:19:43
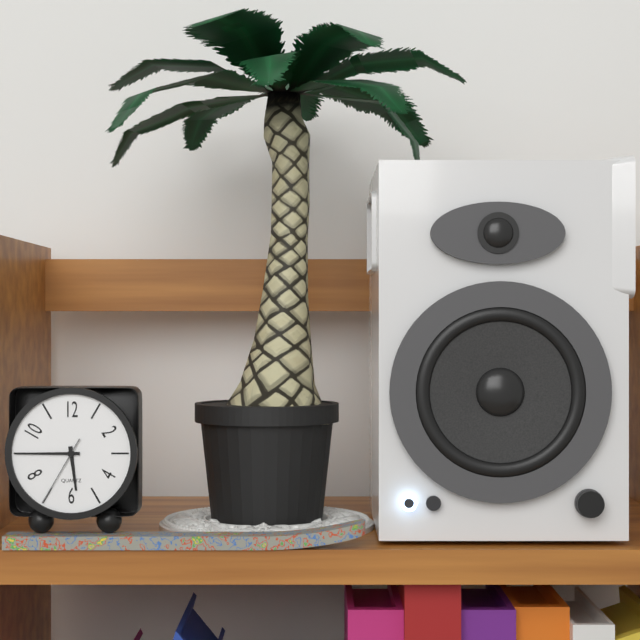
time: 5:45:35
